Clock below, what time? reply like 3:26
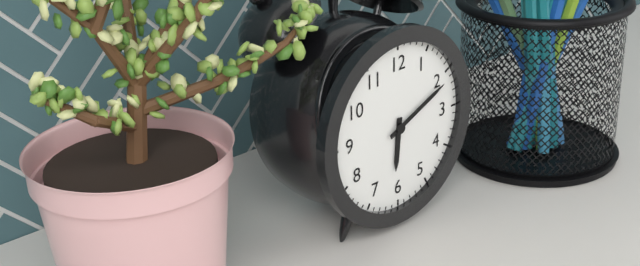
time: 6:11
